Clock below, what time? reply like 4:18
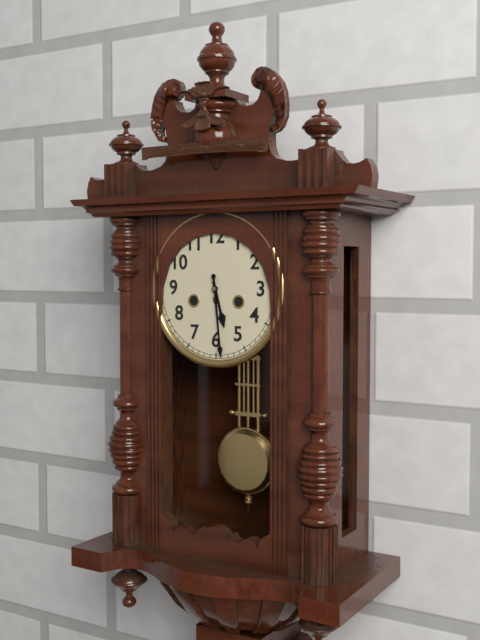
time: 5:29
